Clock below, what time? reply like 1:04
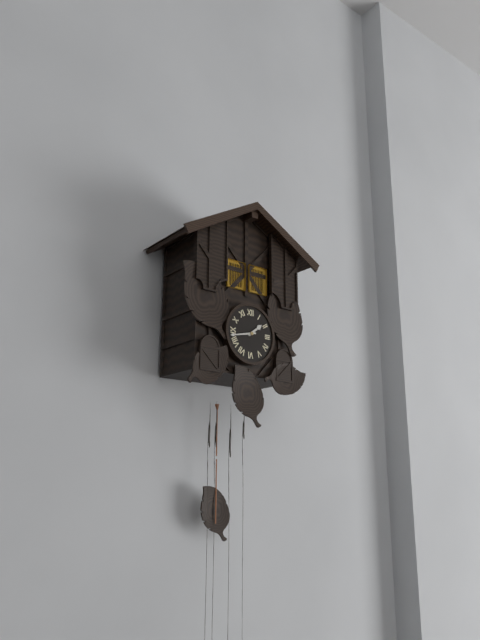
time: 1:43
